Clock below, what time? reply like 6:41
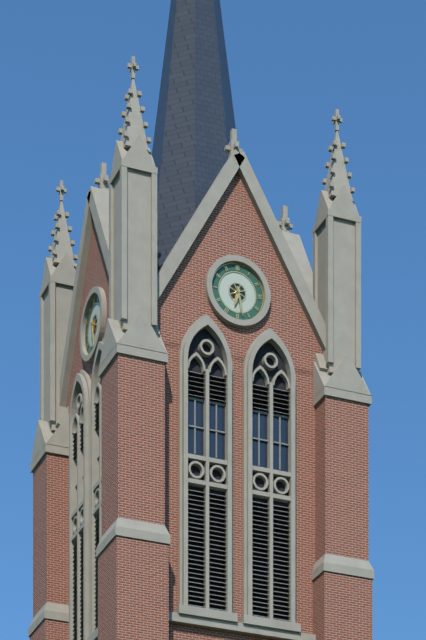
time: 6:28
